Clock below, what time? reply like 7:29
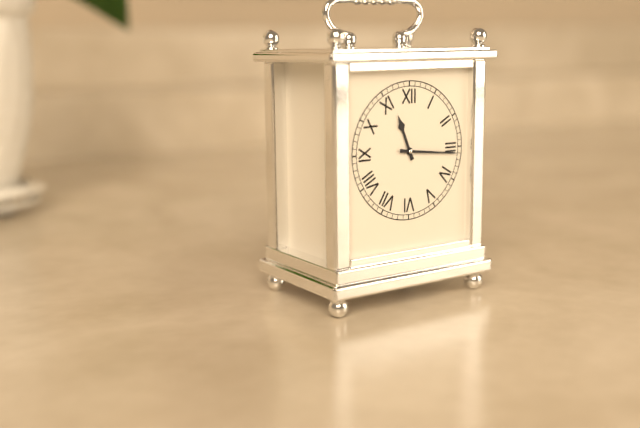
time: 11:16
